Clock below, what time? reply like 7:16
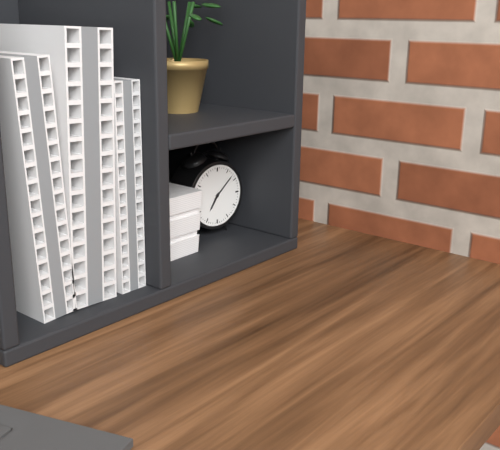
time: 7:08
